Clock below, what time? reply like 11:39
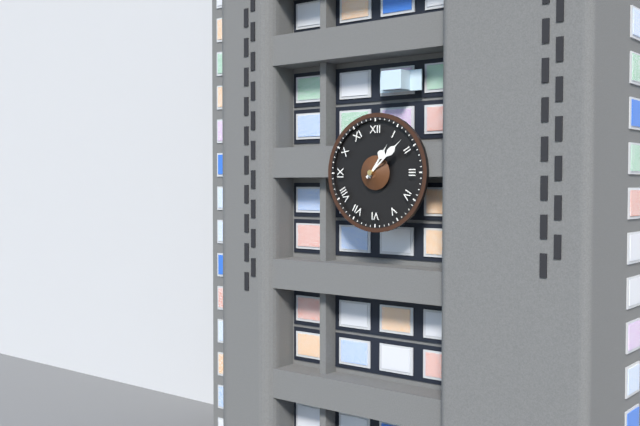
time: 1:08
